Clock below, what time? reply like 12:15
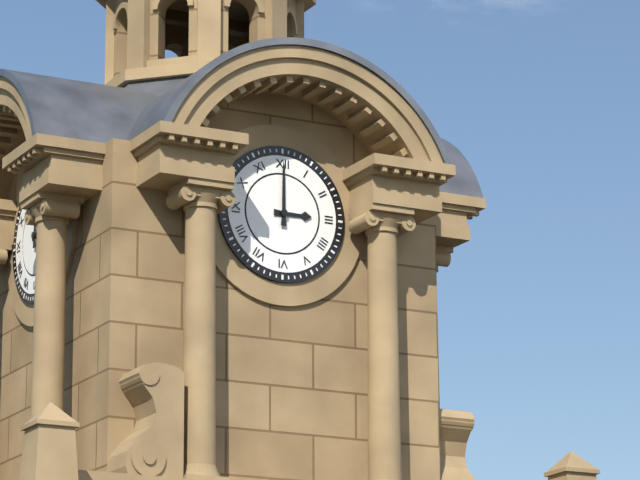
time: 3:00
